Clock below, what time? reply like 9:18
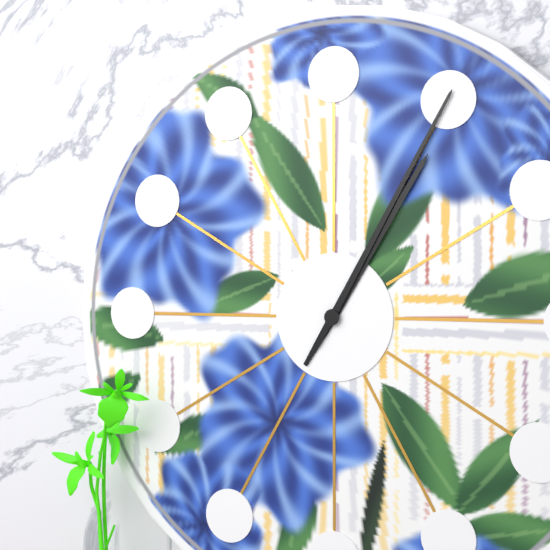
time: 1:05
